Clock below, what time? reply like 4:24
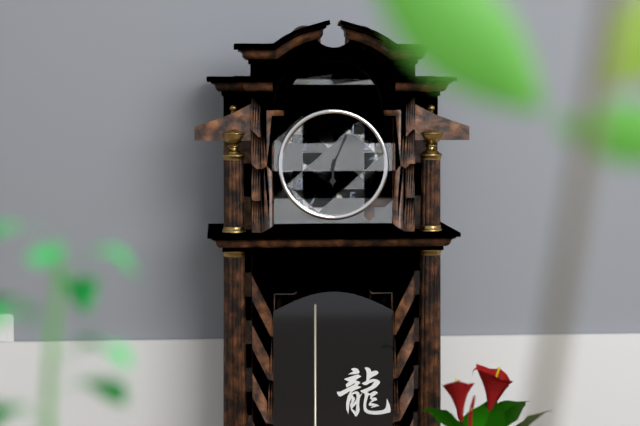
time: 6:04
